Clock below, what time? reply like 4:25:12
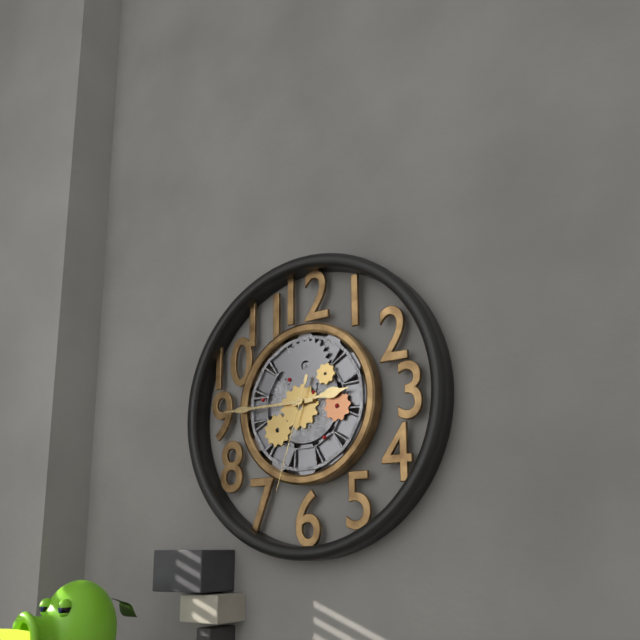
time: 2:45:33
